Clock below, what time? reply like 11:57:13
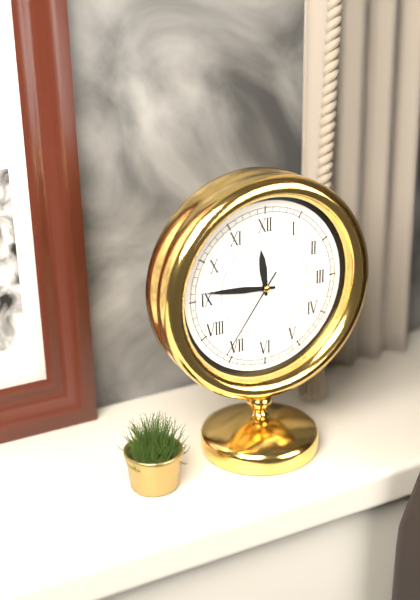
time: 11:46:36
